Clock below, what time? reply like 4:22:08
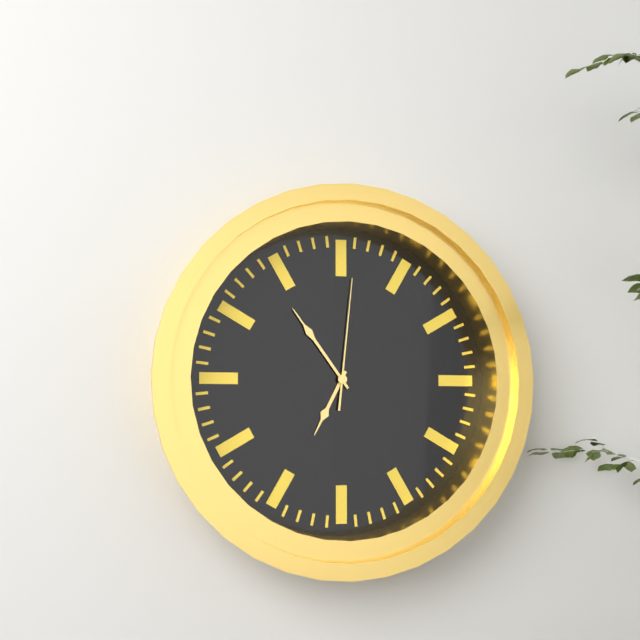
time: 6:54:01
